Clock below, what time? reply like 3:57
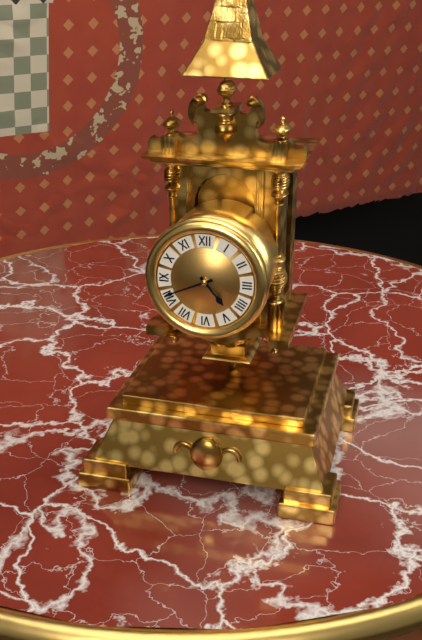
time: 4:41
